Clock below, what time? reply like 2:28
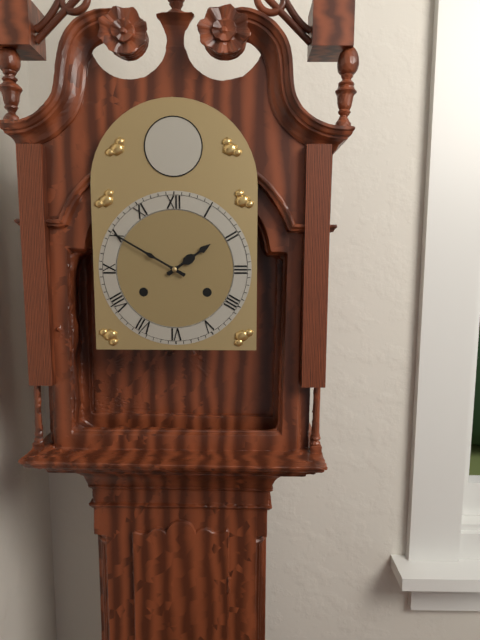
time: 1:50
